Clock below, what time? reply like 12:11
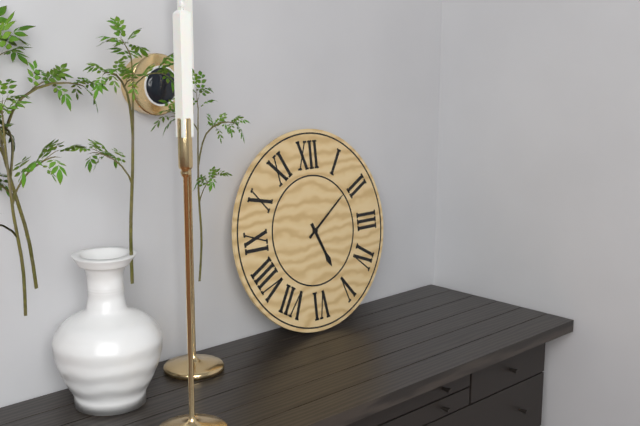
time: 5:09
